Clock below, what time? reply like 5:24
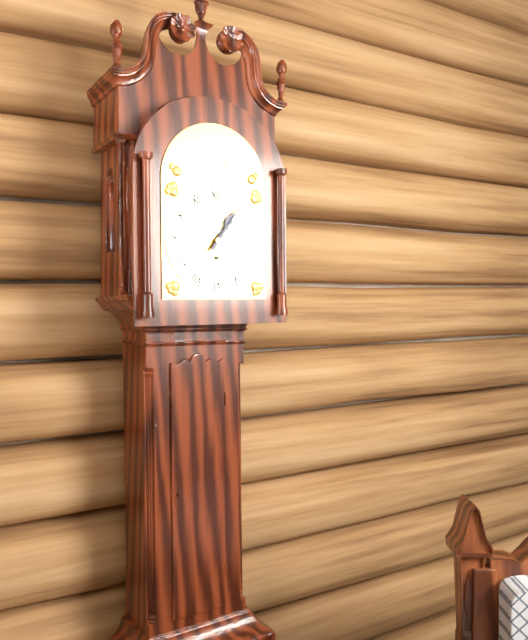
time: 1:06
